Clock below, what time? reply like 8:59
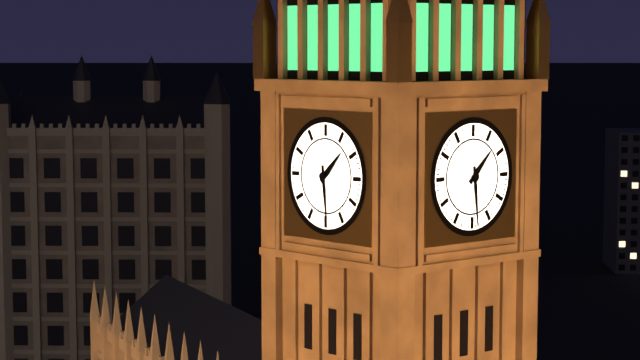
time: 1:29
